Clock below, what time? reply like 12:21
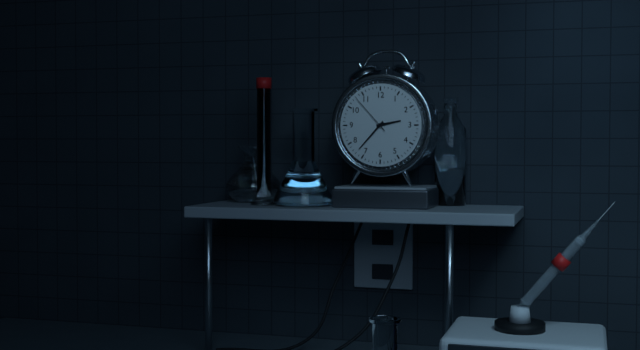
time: 2:37
